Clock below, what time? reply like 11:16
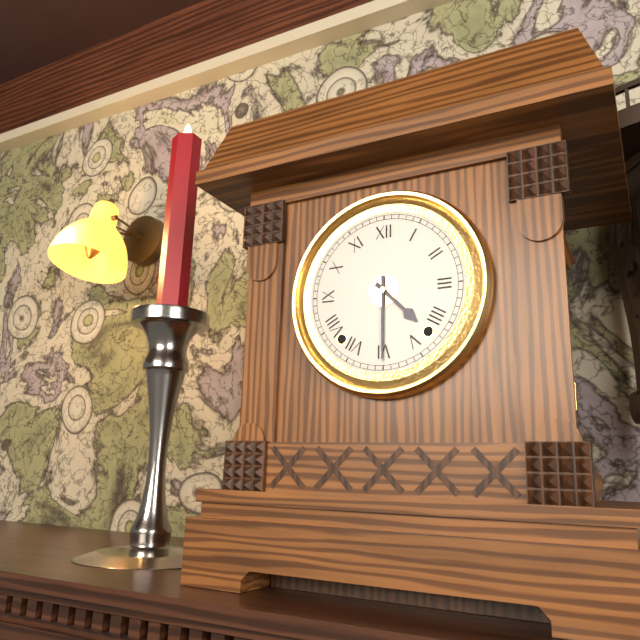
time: 4:30
